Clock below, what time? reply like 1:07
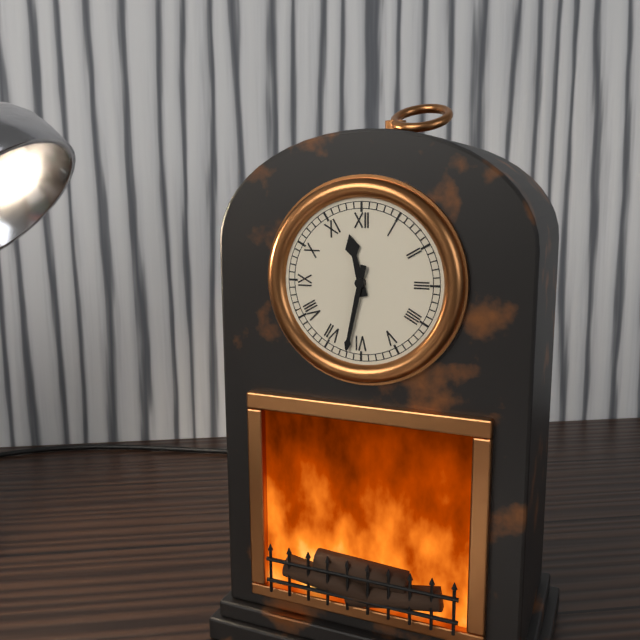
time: 11:32
